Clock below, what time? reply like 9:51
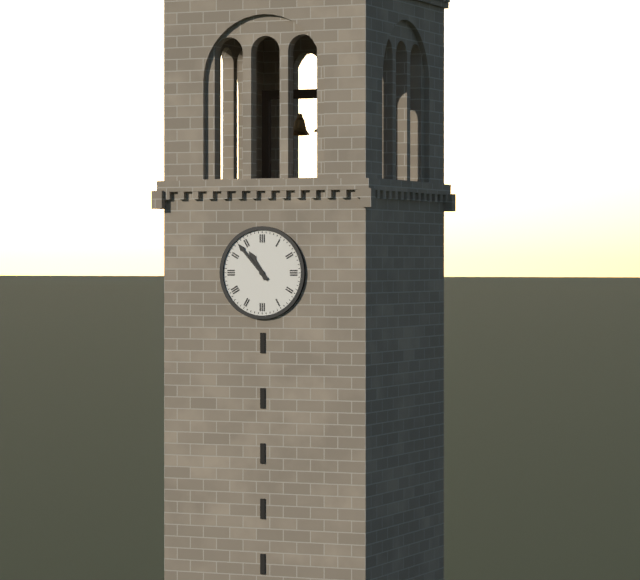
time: 10:53
